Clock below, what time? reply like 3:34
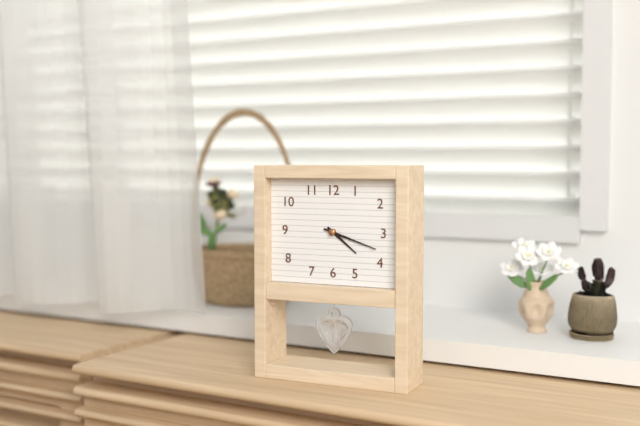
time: 4:18
